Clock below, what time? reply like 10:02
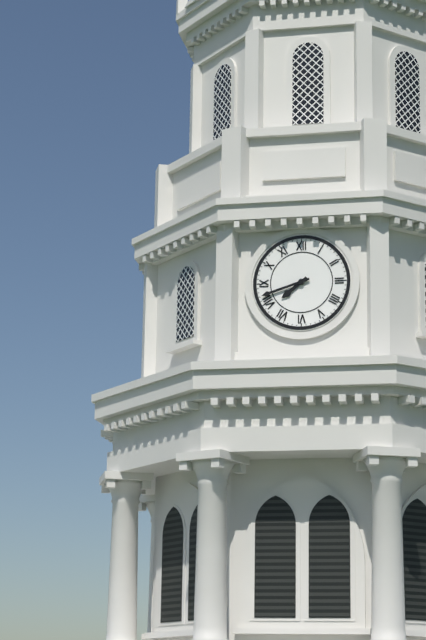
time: 7:42
